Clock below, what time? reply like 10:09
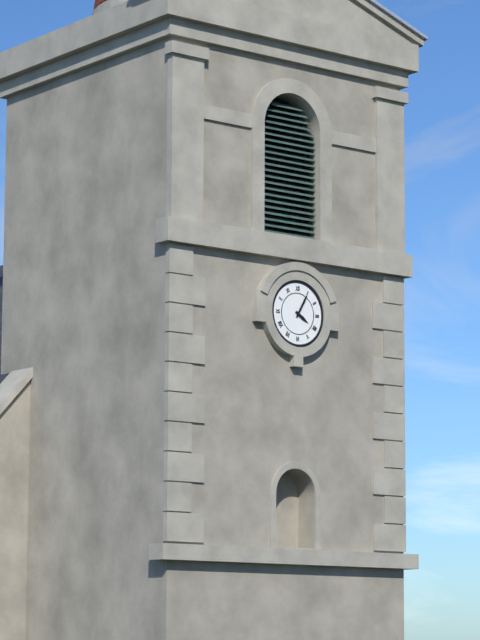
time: 4:05
